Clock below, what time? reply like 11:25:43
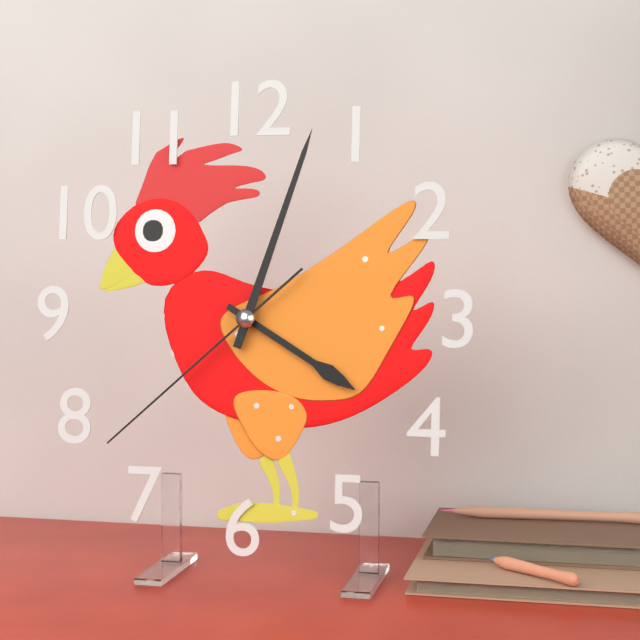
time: 4:03:38
